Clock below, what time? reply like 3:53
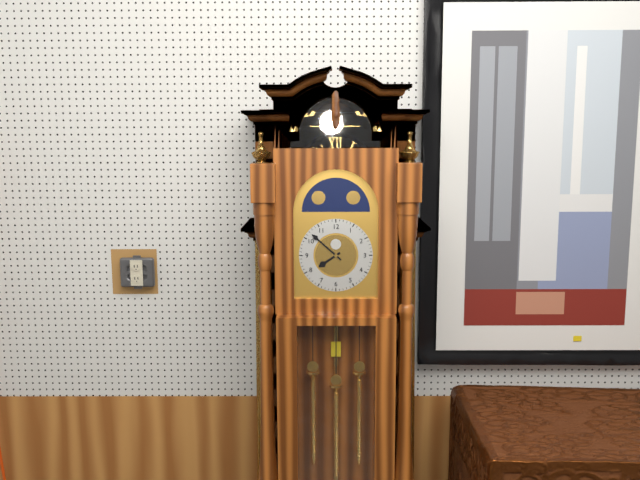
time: 7:52
